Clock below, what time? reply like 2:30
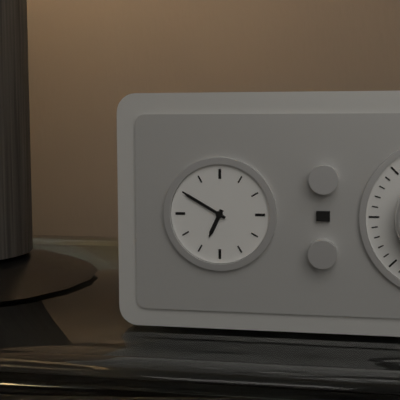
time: 6:50
